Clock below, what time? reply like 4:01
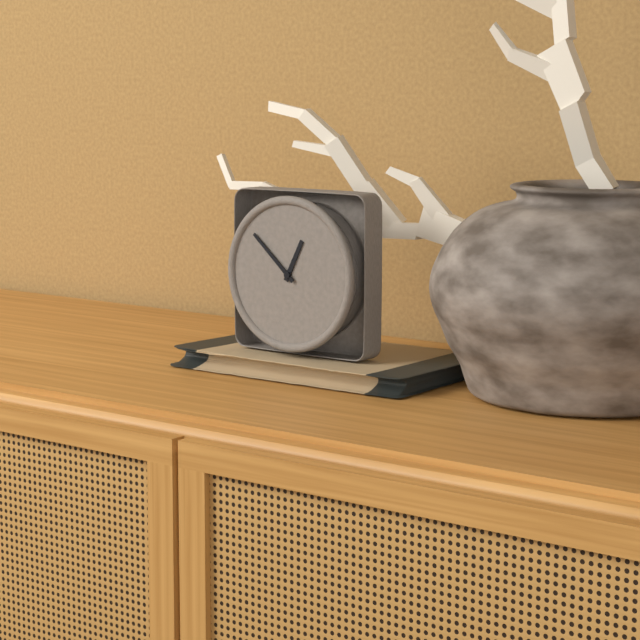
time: 12:52
